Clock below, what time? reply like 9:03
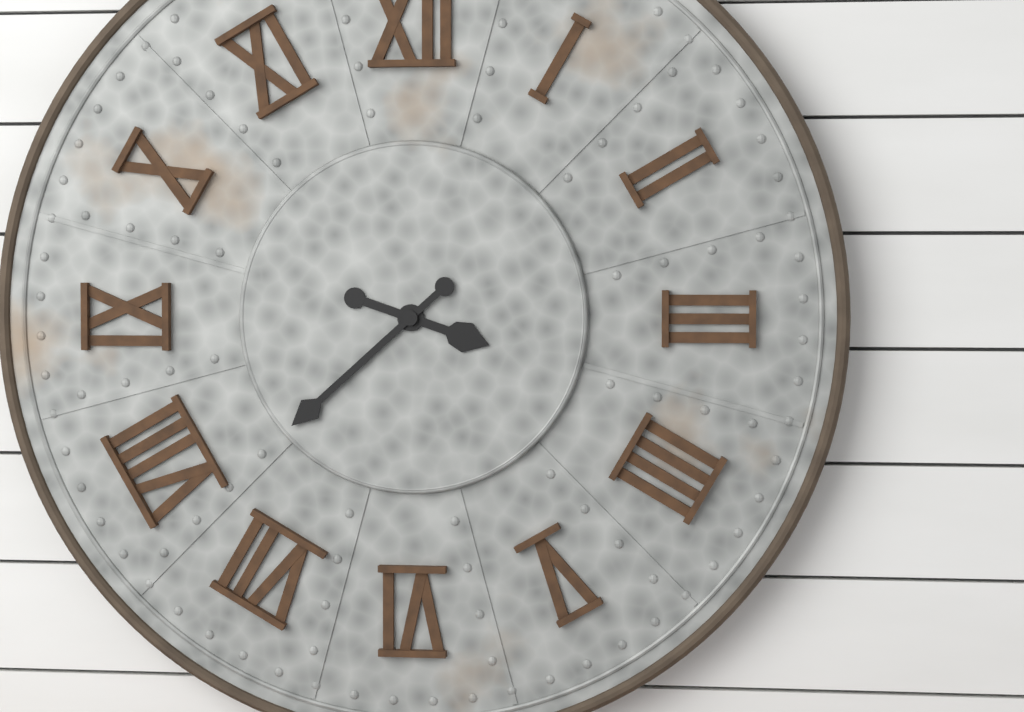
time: 3:38
